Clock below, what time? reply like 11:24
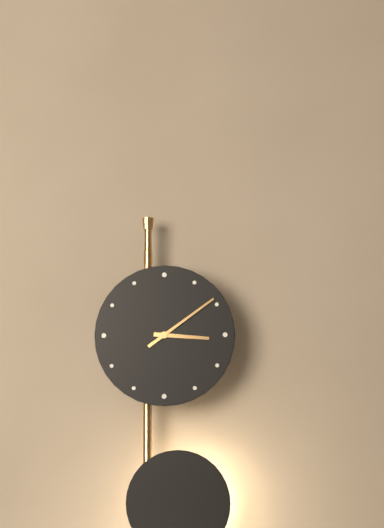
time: 3:09
